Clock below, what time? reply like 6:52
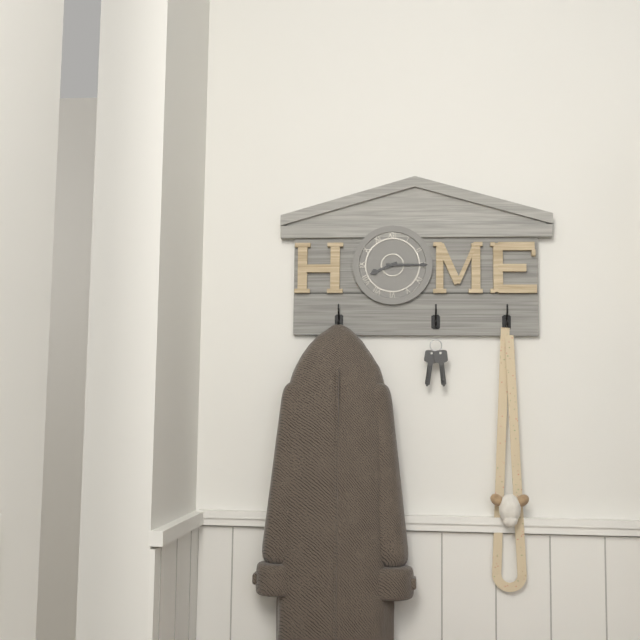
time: 8:15
